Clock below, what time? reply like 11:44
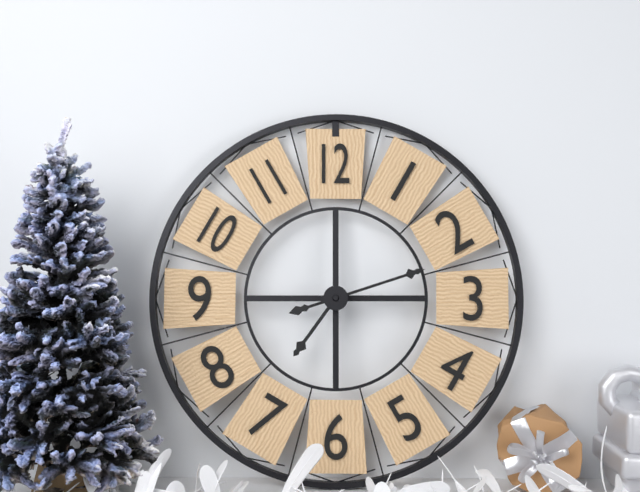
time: 7:12
